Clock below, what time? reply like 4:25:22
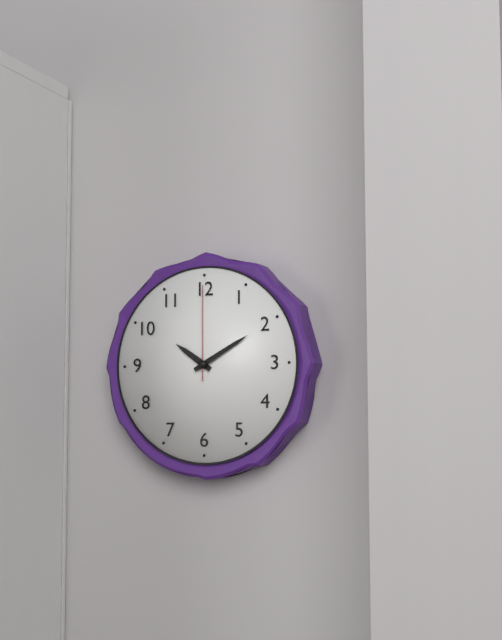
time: 10:10:00
